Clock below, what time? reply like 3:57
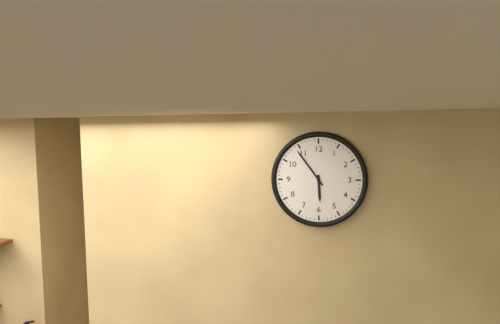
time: 5:54
